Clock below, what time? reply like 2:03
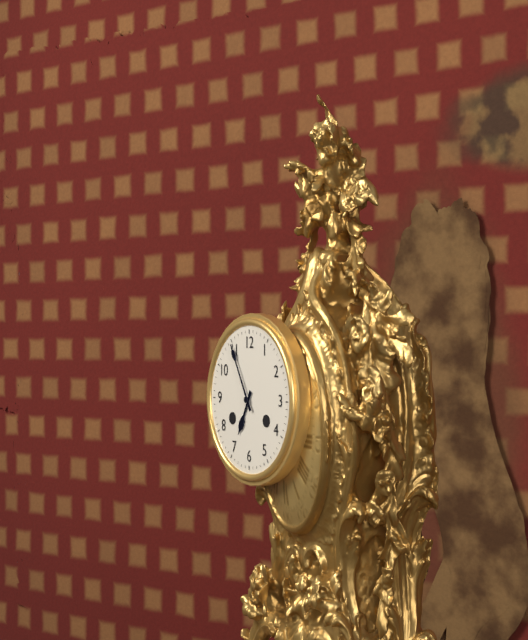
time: 6:55
